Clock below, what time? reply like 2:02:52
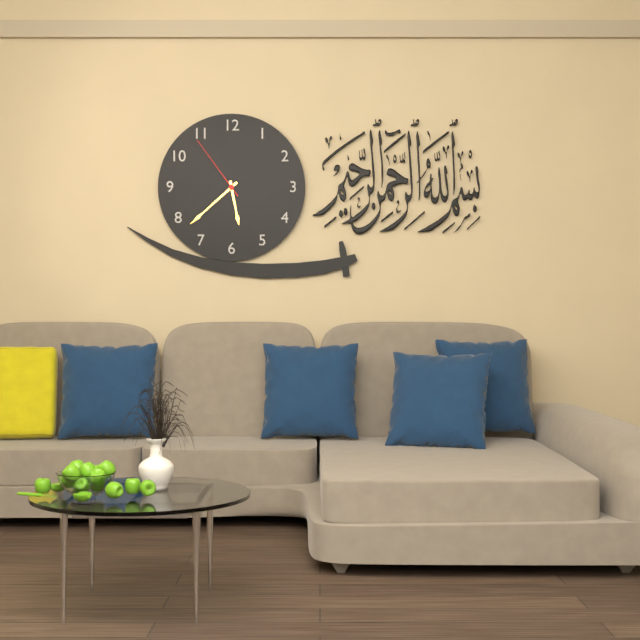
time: 5:38:54
